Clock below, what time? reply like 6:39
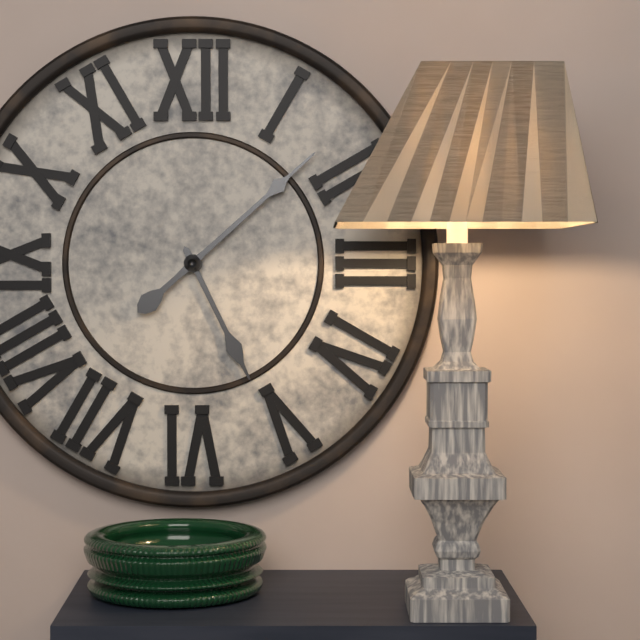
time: 5:08
